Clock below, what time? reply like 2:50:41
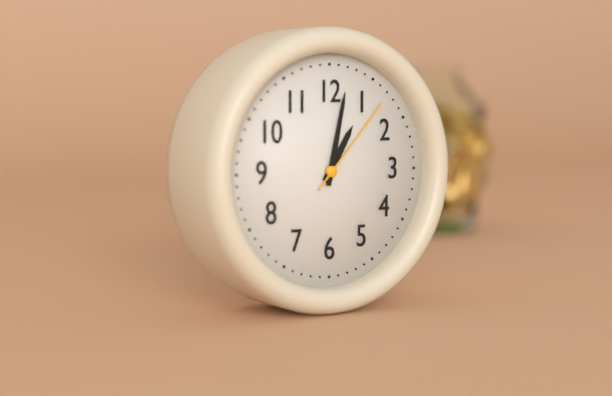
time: 1:02:07
